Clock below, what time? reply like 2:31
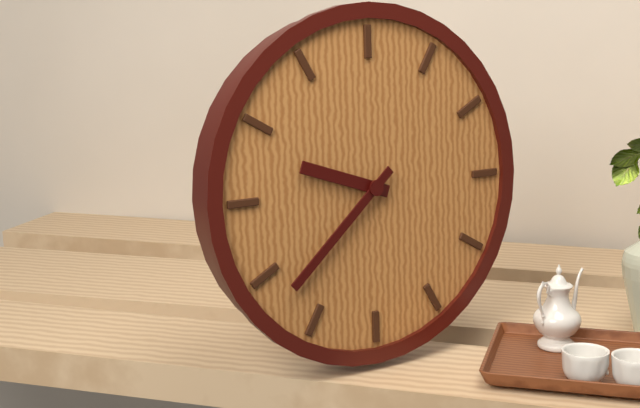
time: 9:38
